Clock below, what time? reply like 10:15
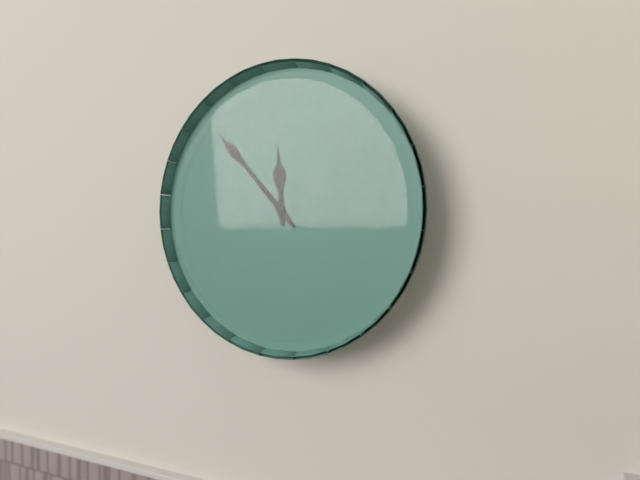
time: 11:53
